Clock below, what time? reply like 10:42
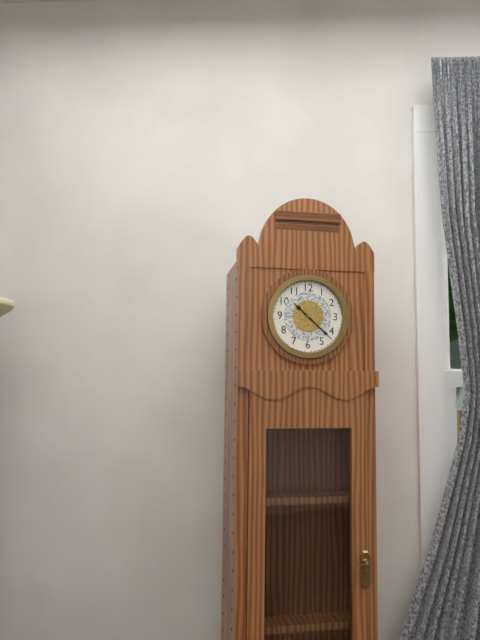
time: 10:22
